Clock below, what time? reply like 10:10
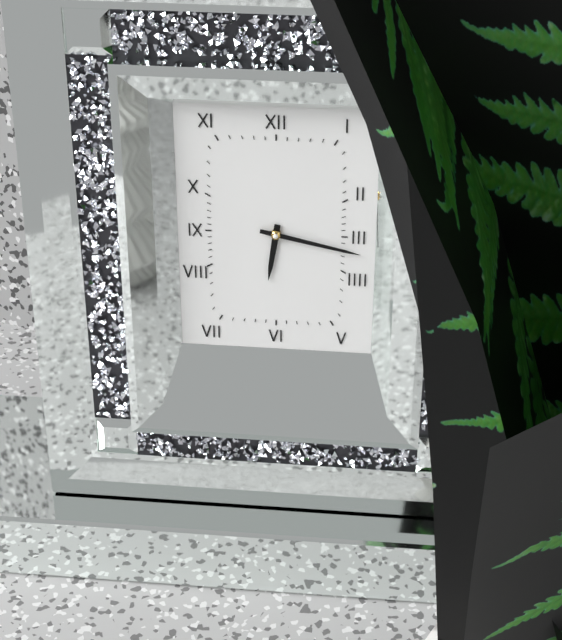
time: 6:17
